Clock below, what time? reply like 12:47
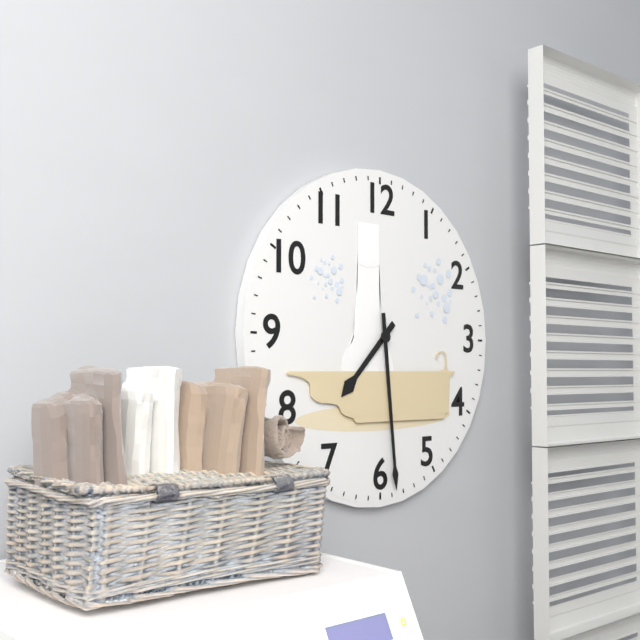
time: 7:29
